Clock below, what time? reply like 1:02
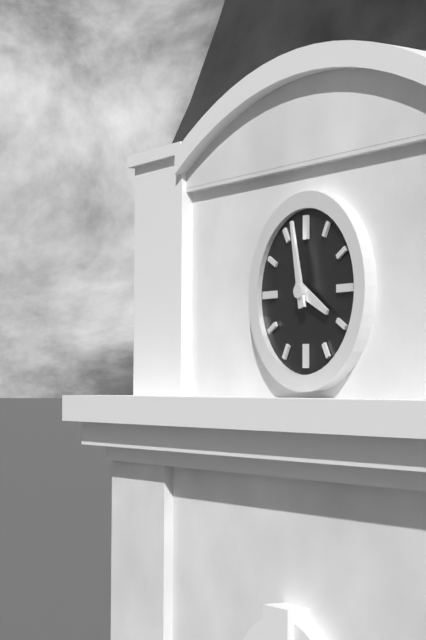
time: 3:58
